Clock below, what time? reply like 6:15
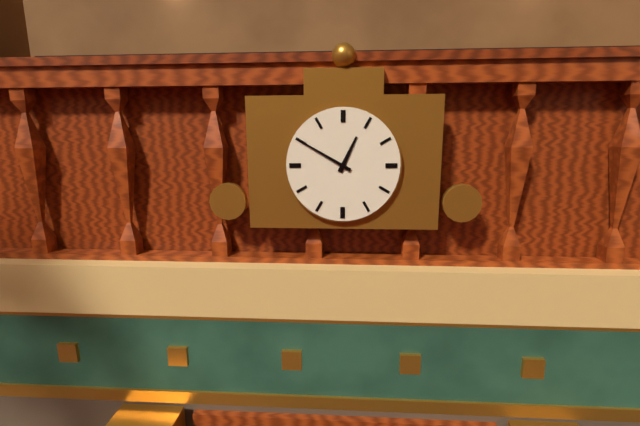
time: 12:50
